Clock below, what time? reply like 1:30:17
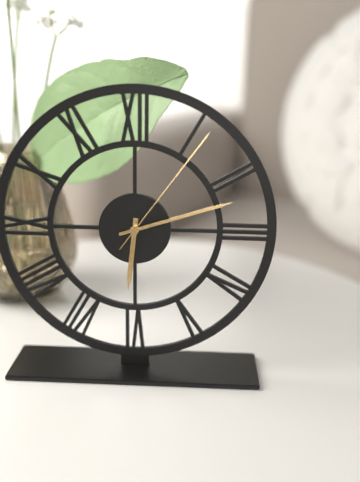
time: 6:12:06
